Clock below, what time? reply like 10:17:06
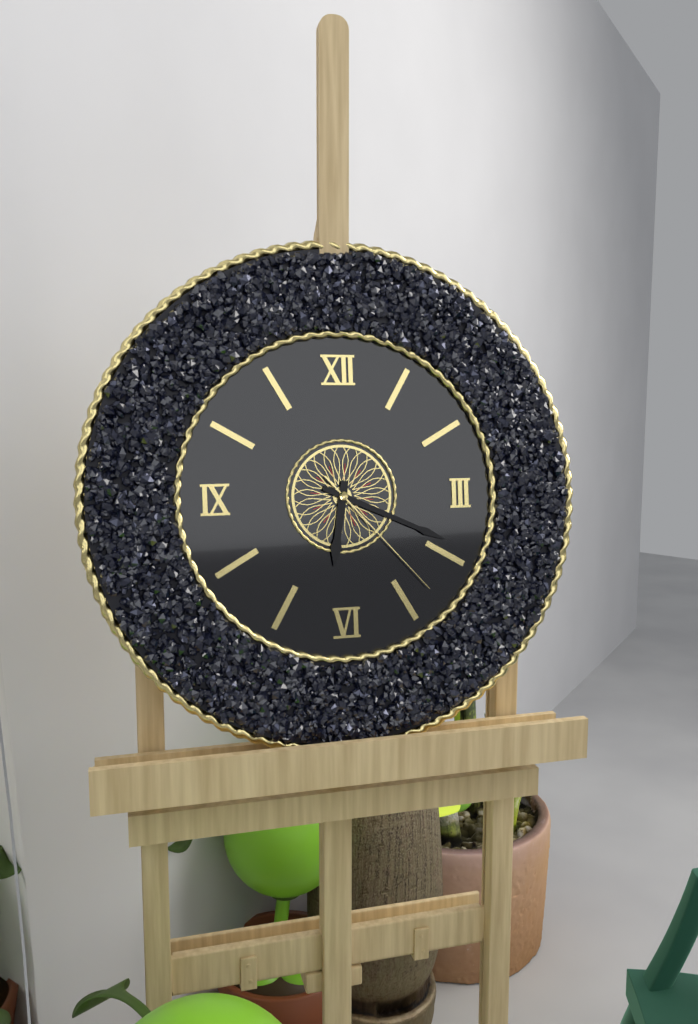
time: 6:19:23
